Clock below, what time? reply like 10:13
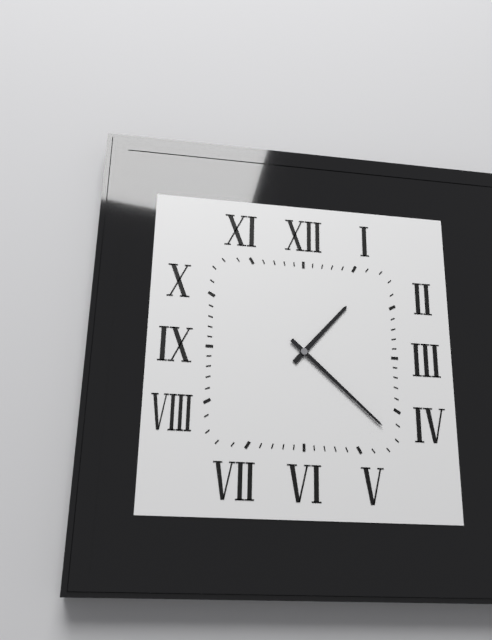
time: 1:22
